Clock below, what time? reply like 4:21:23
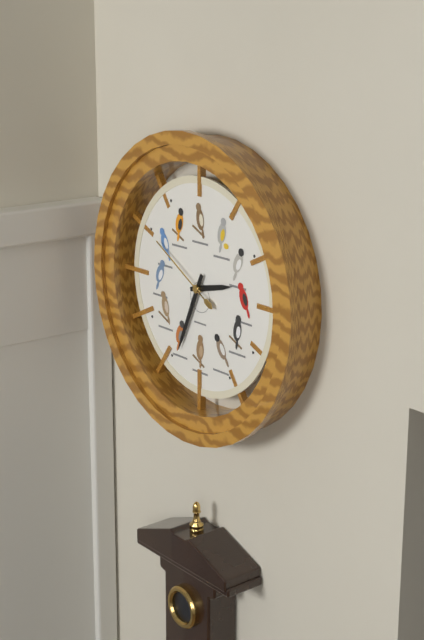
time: 2:34:50
